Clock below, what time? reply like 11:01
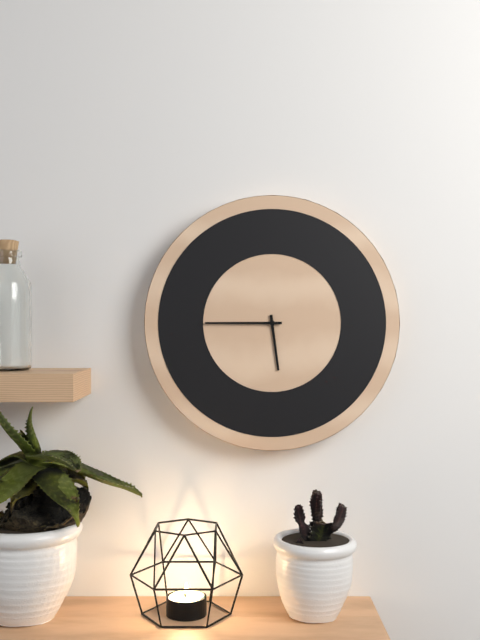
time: 5:45
